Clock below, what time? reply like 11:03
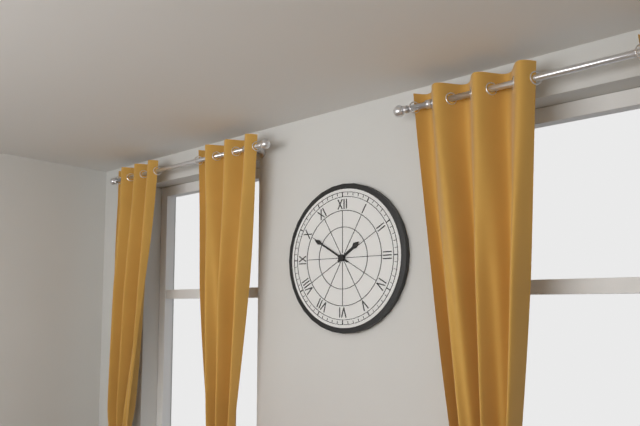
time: 1:50
